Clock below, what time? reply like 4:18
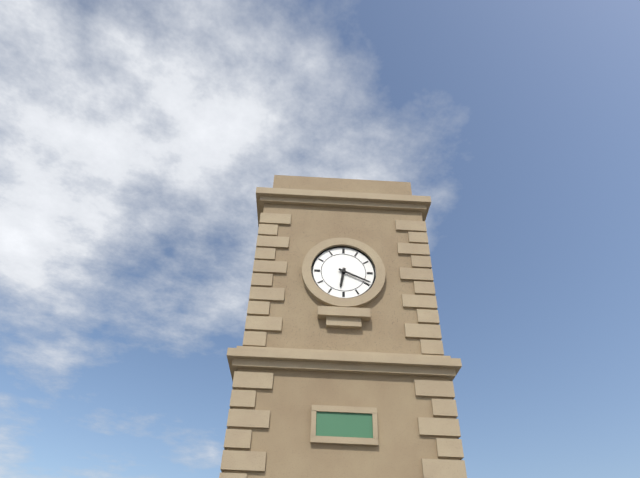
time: 6:19
